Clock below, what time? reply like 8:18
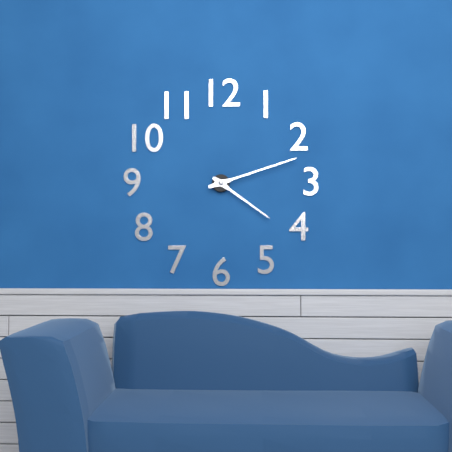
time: 4:12
